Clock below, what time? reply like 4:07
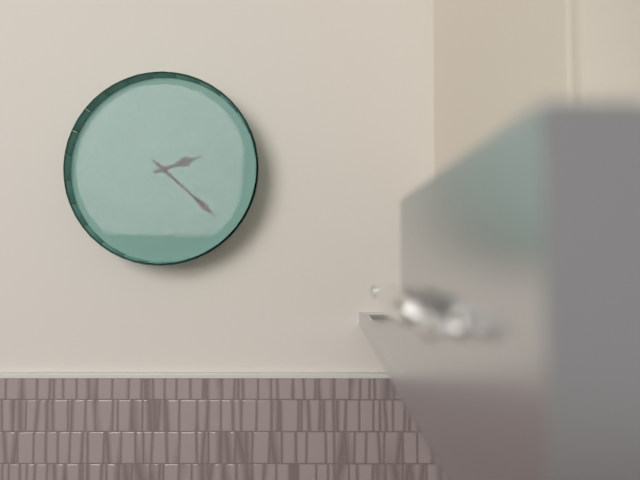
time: 2:22
